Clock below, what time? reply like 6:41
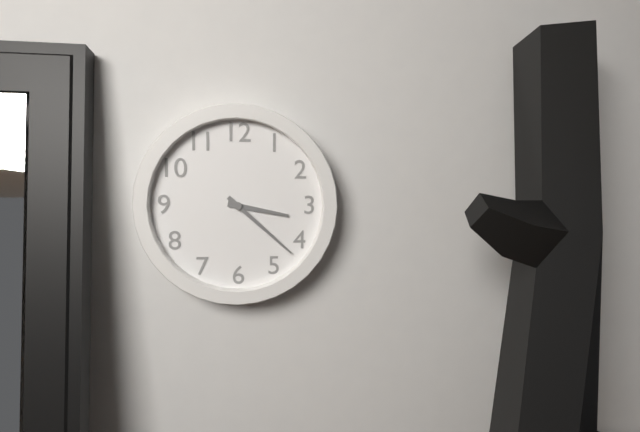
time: 3:22
